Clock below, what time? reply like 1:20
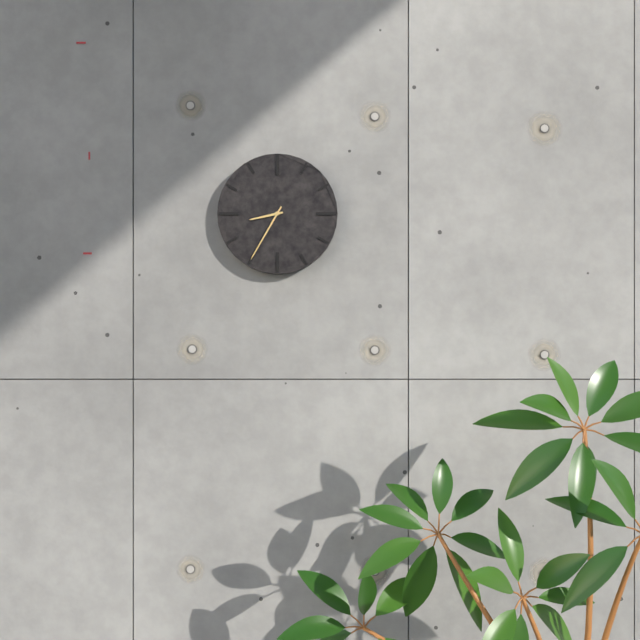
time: 8:35
